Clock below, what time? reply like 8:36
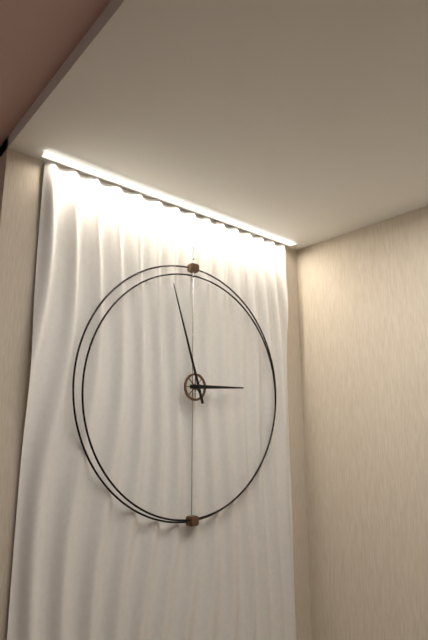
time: 2:57
